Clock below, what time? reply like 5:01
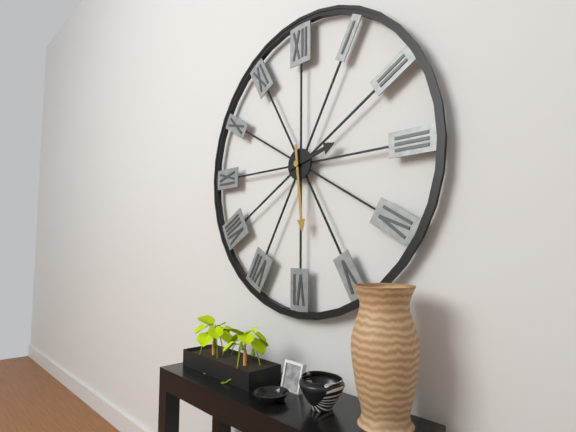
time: 2:29
